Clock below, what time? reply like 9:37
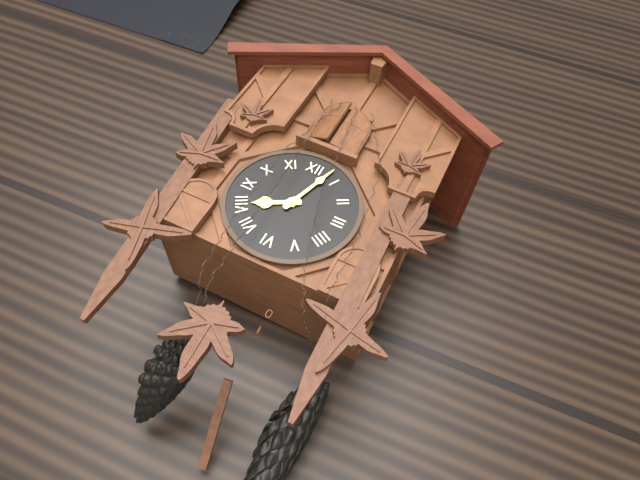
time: 8:03
